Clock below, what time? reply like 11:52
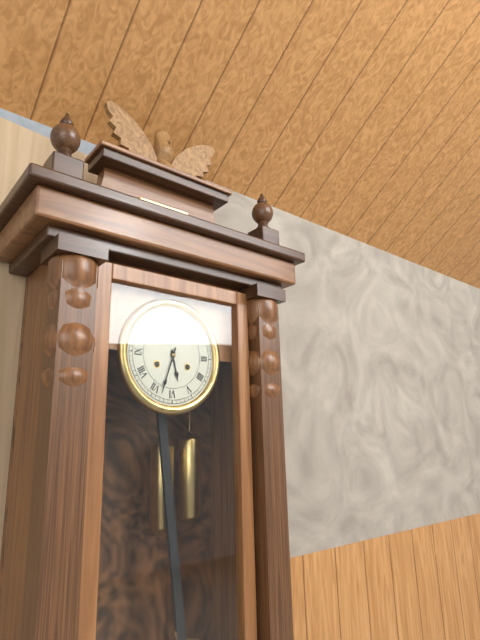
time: 5:33
